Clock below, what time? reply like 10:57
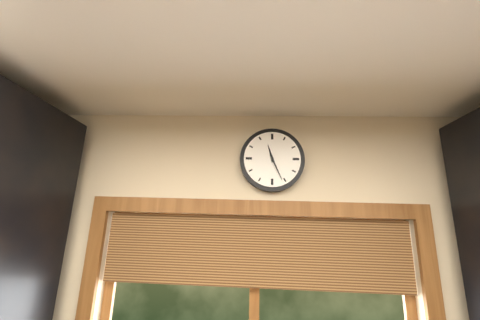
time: 11:26
